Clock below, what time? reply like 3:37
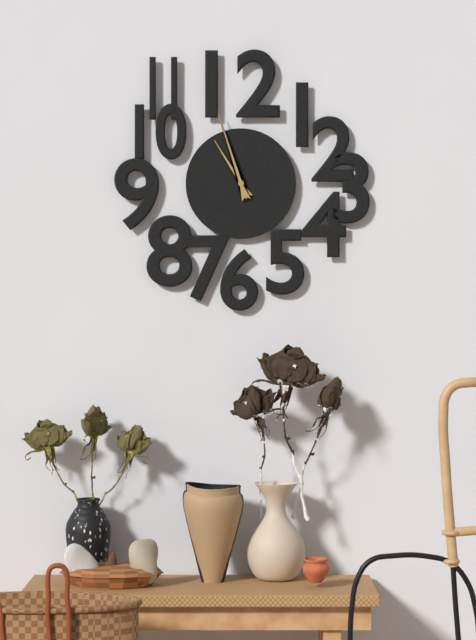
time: 10:57
